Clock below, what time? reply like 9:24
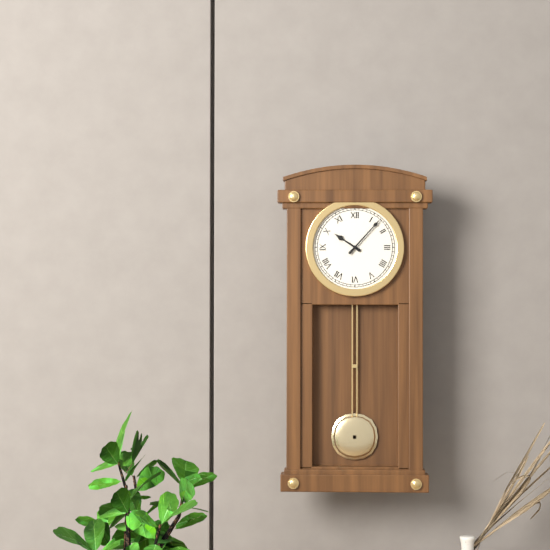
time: 10:07
